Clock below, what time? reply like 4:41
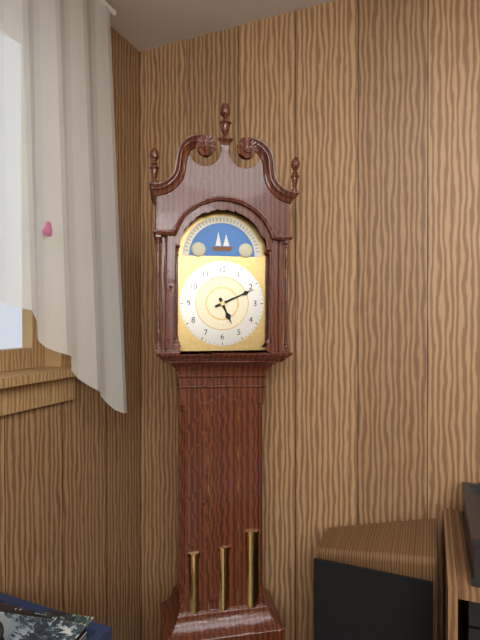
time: 5:11
